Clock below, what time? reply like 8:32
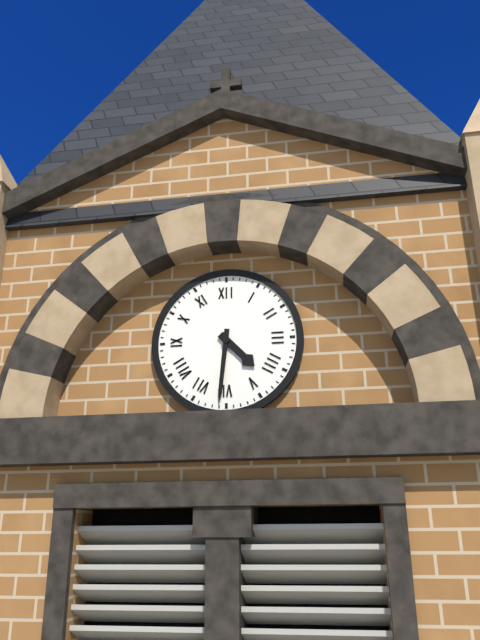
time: 4:31
